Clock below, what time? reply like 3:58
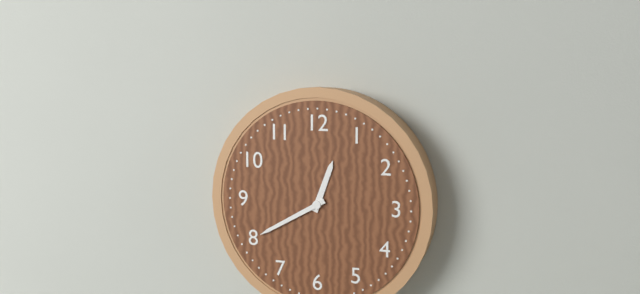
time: 12:40
